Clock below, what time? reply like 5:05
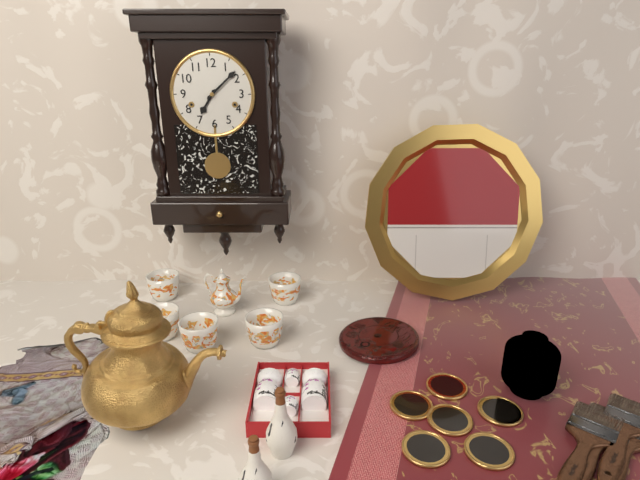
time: 7:08
